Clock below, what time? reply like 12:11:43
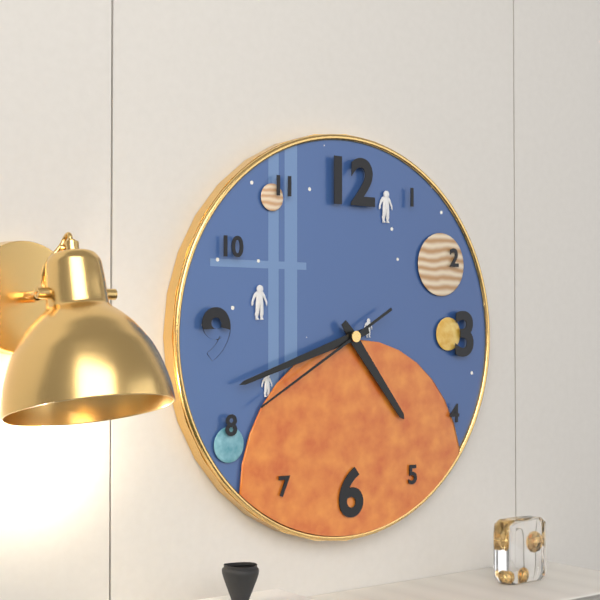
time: 4:42:40
